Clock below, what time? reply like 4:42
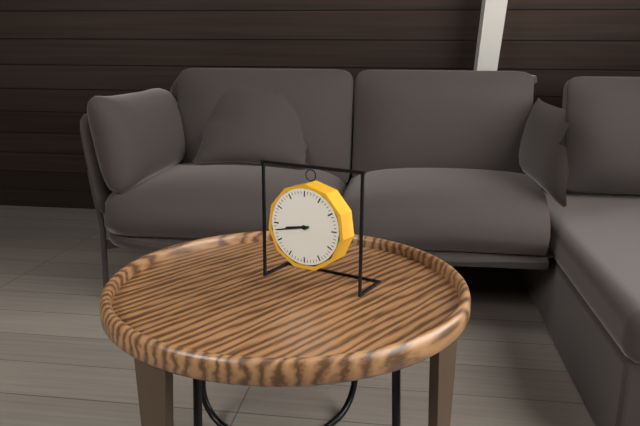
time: 8:43
